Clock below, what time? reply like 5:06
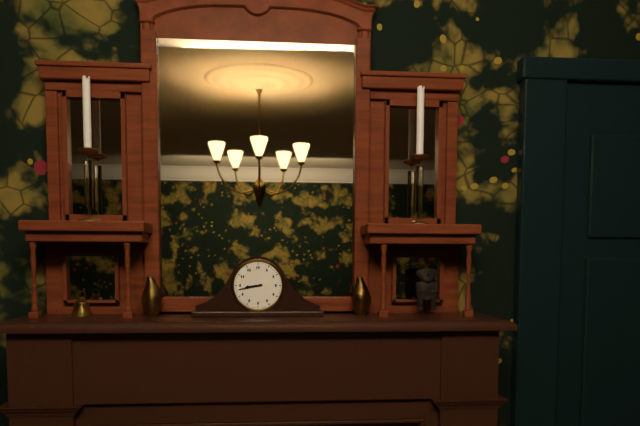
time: 8:43
